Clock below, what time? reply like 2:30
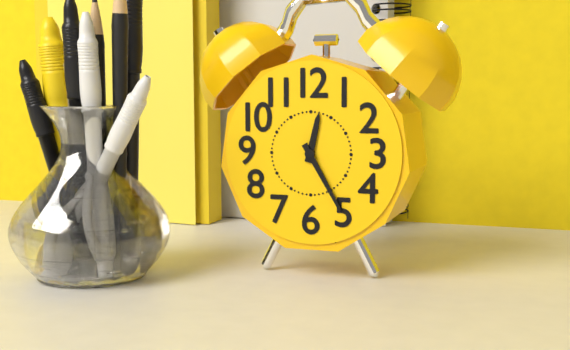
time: 12:25
